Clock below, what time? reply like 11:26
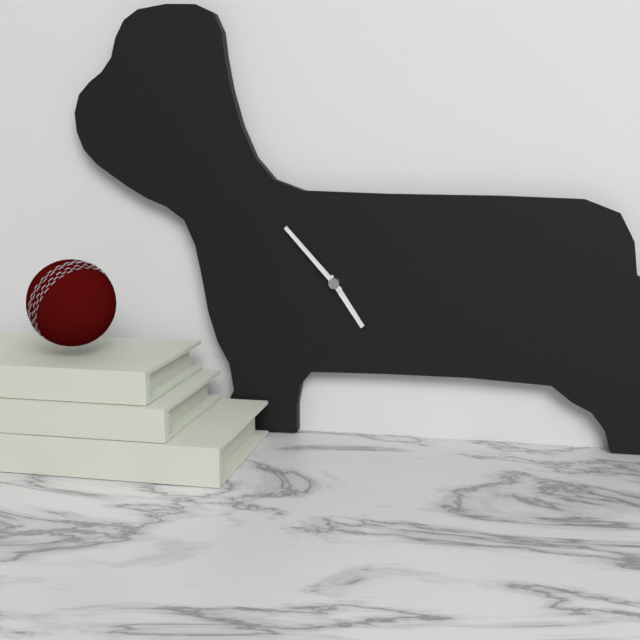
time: 4:53
